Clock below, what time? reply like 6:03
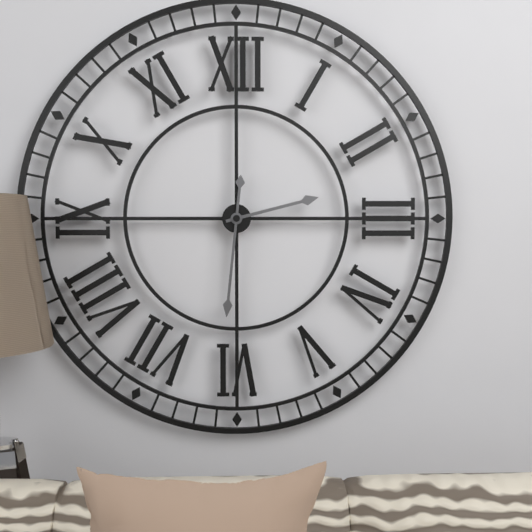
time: 2:31
